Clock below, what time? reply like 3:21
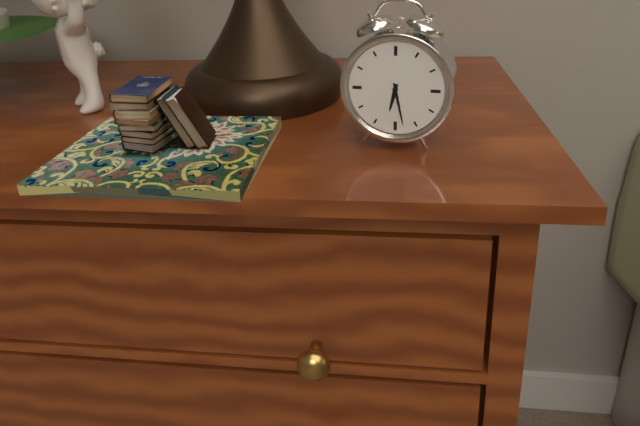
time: 6:28
